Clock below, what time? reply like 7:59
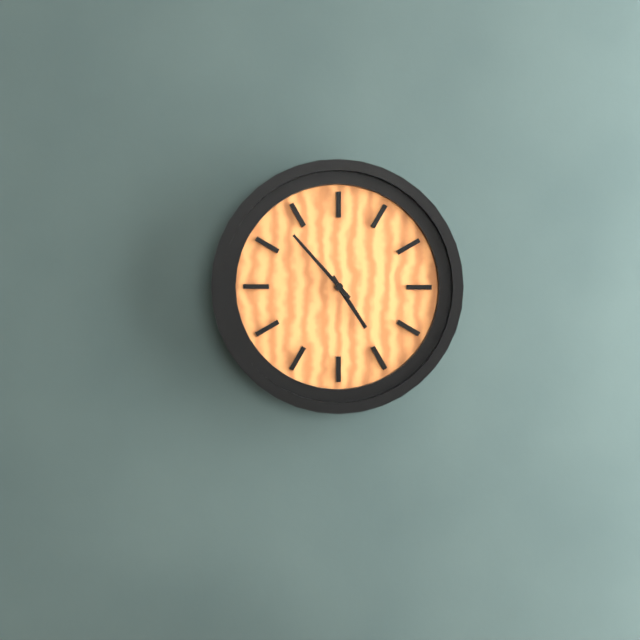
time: 4:53
